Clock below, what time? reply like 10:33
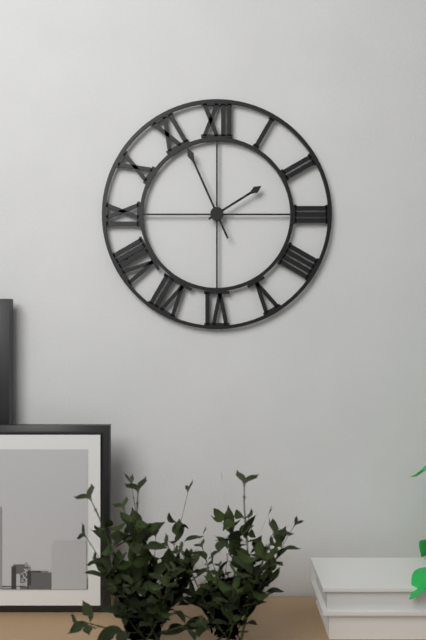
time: 1:56
